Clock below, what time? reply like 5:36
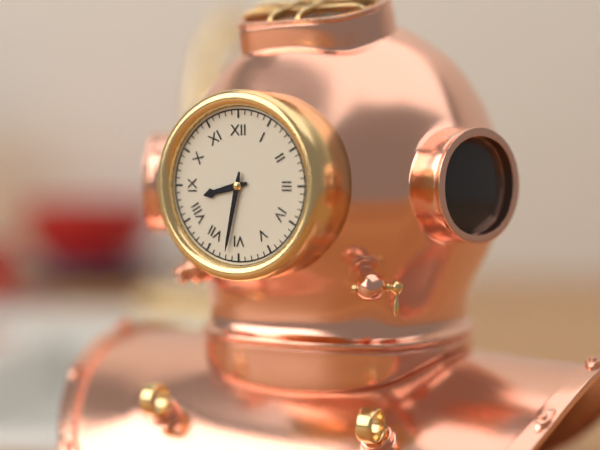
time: 8:32
